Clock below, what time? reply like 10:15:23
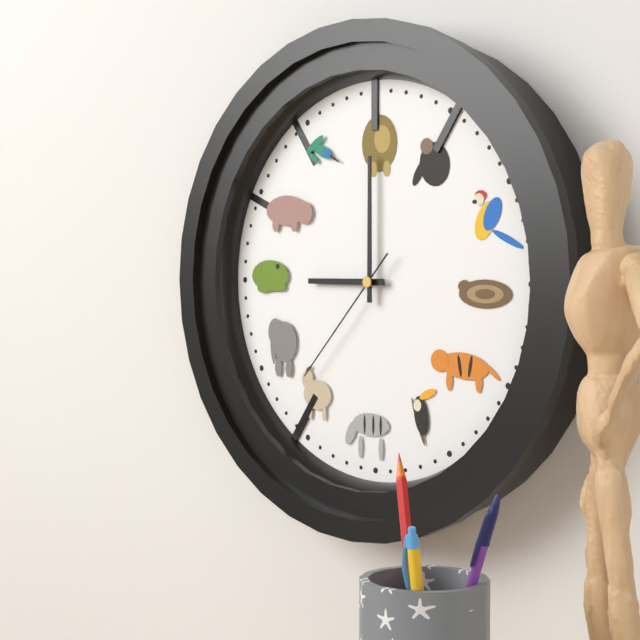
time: 9:00:37
